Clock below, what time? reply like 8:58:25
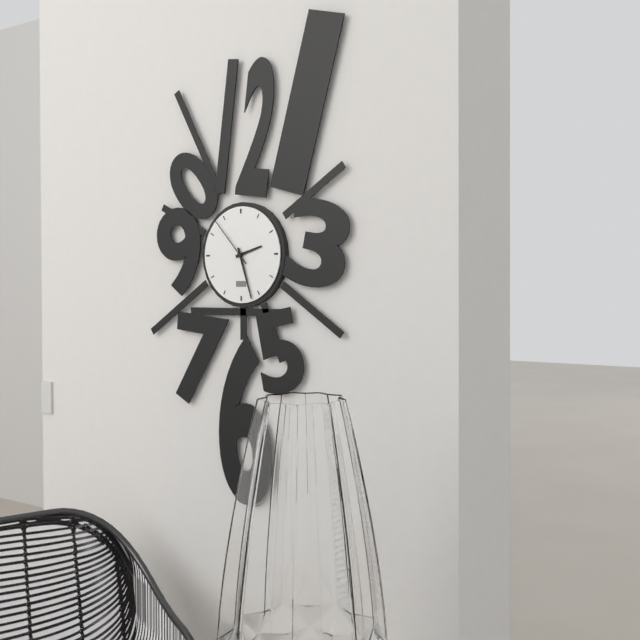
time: 2:27:53
